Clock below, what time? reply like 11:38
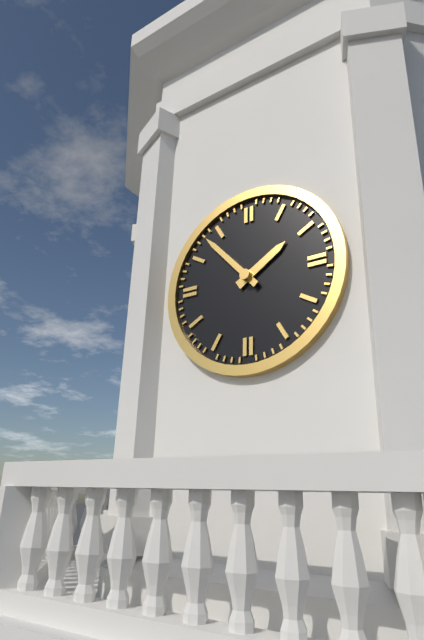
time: 1:53
